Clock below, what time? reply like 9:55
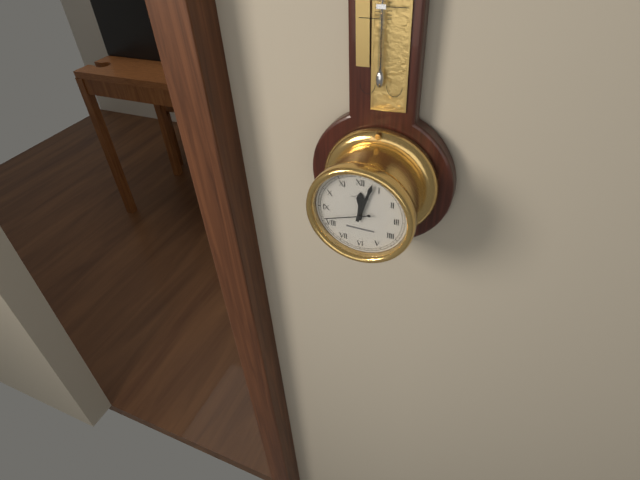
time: 12:03
